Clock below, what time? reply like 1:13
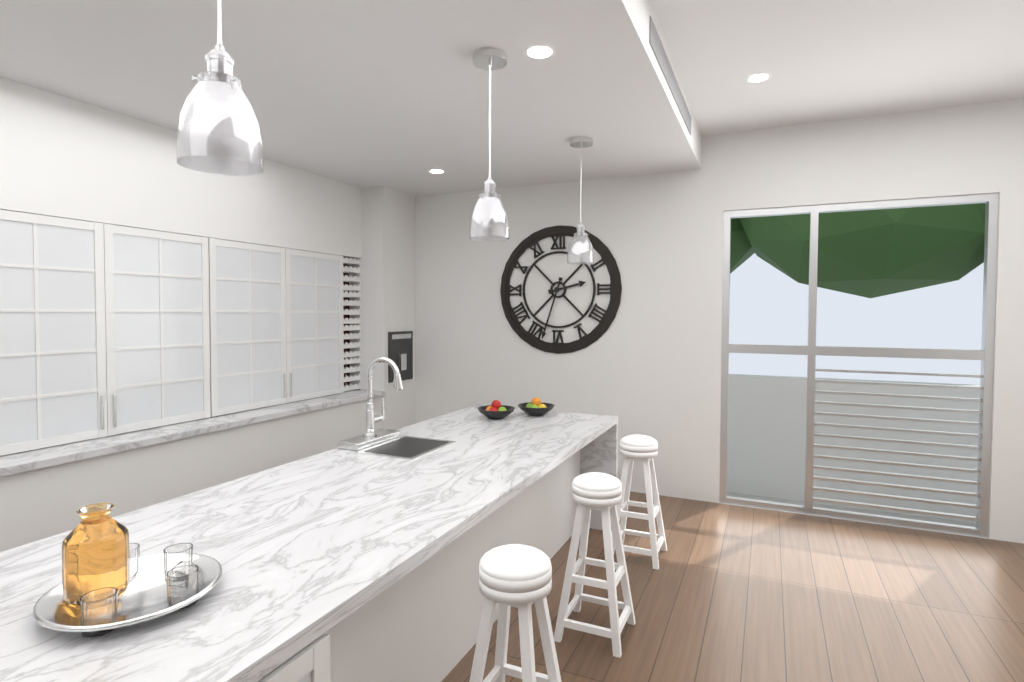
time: 2:33
